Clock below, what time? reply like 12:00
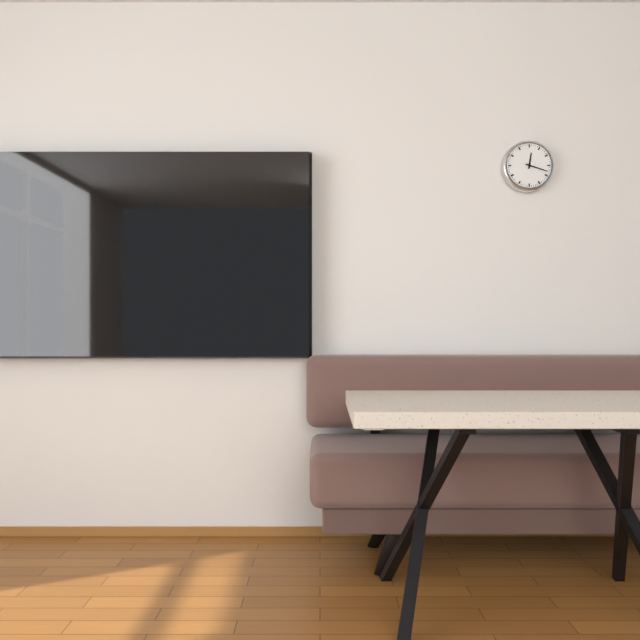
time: 12:18
